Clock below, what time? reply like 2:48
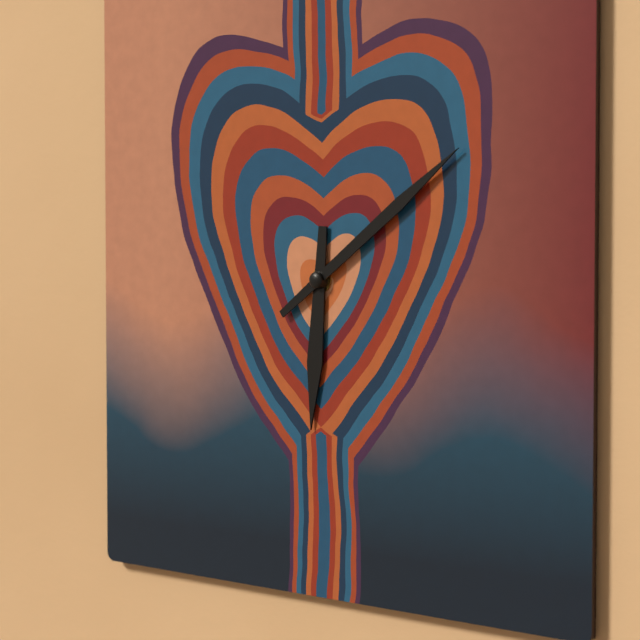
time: 6:09
